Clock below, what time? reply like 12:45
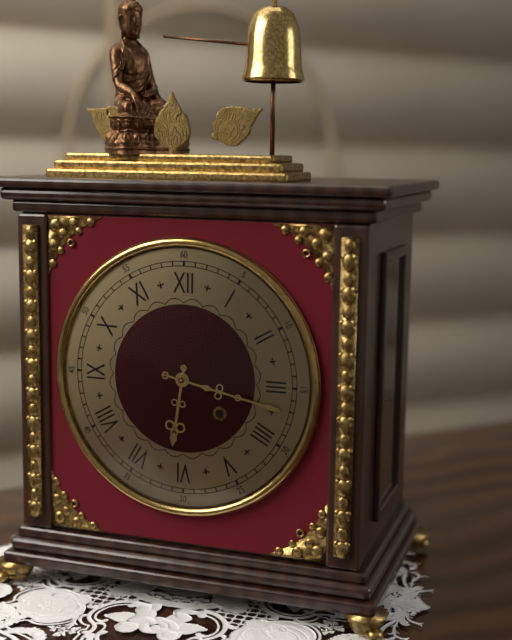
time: 6:17
